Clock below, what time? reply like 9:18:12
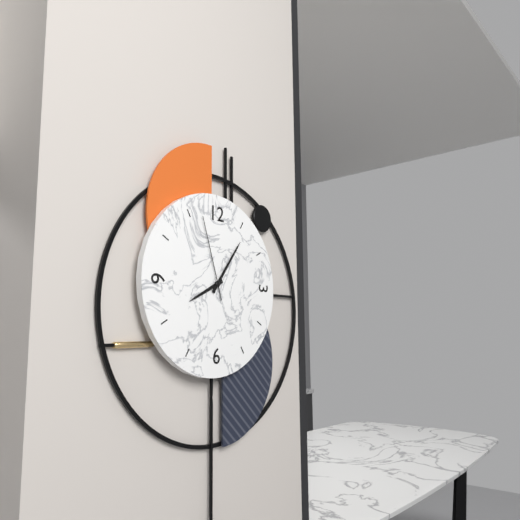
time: 8:06:57
